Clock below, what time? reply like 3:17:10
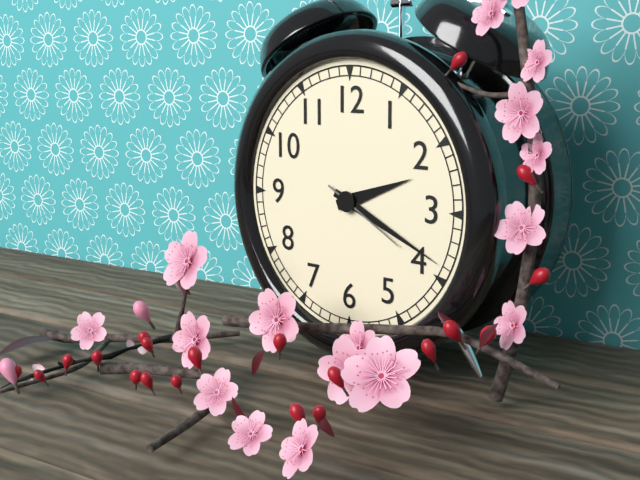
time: 2:19:20
